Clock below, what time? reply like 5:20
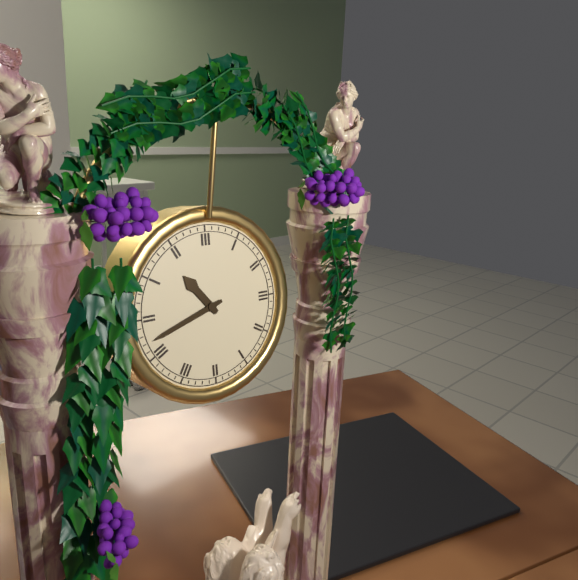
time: 10:42
